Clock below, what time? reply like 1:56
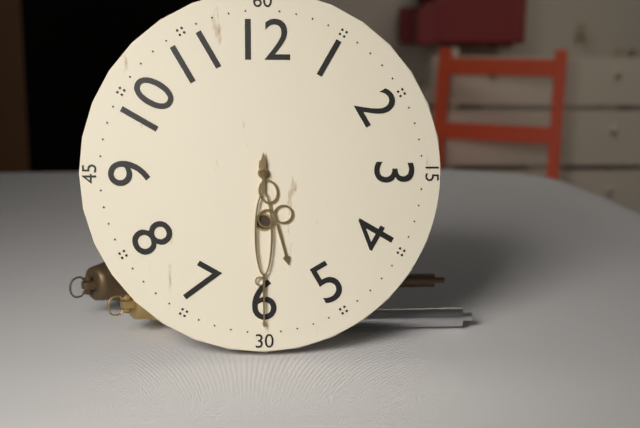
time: 5:30
